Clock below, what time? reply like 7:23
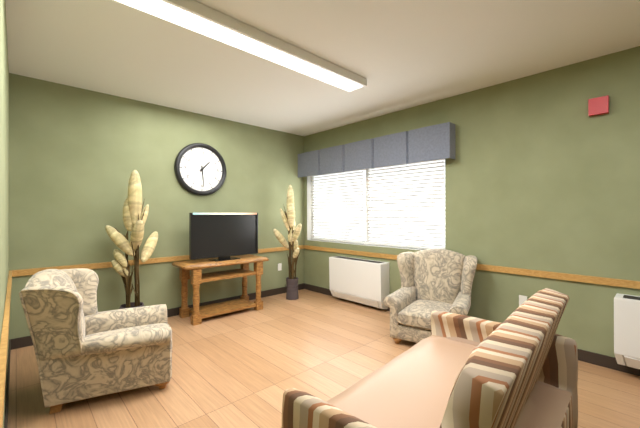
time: 1:29
